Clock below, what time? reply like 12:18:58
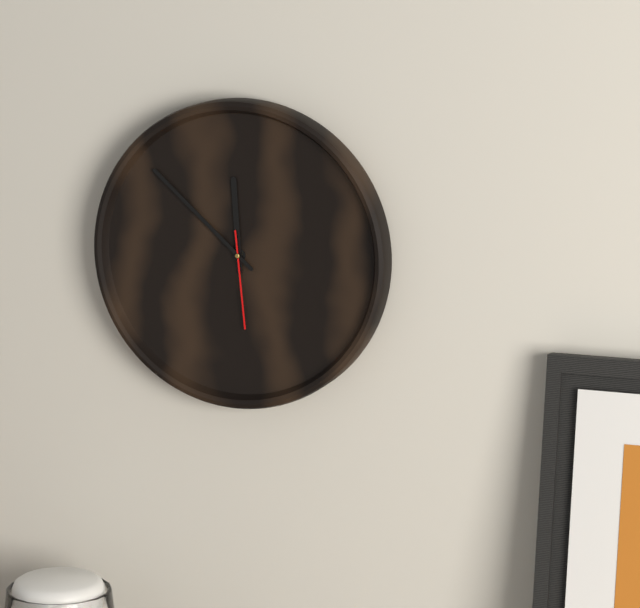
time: 11:52:29
